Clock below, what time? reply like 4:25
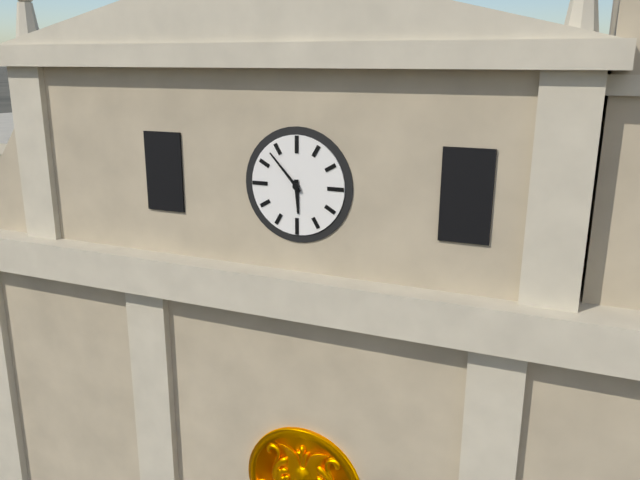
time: 5:53
